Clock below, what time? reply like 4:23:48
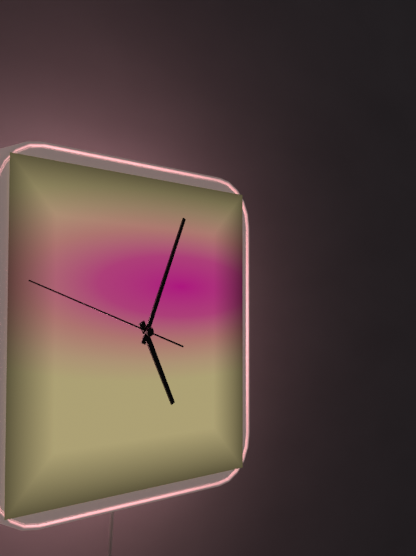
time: 5:04:48
